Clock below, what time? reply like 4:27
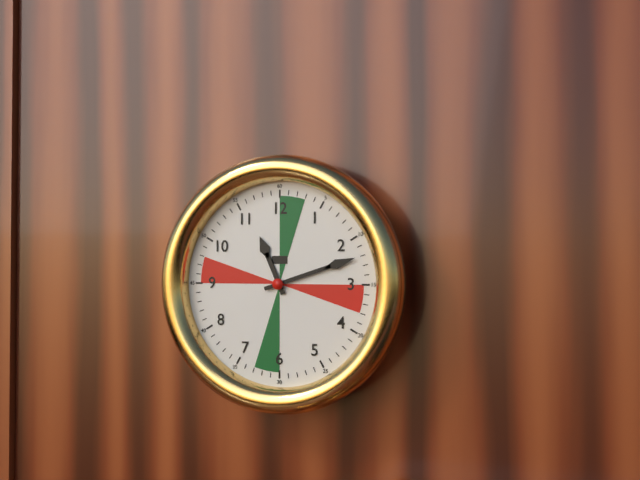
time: 11:12
